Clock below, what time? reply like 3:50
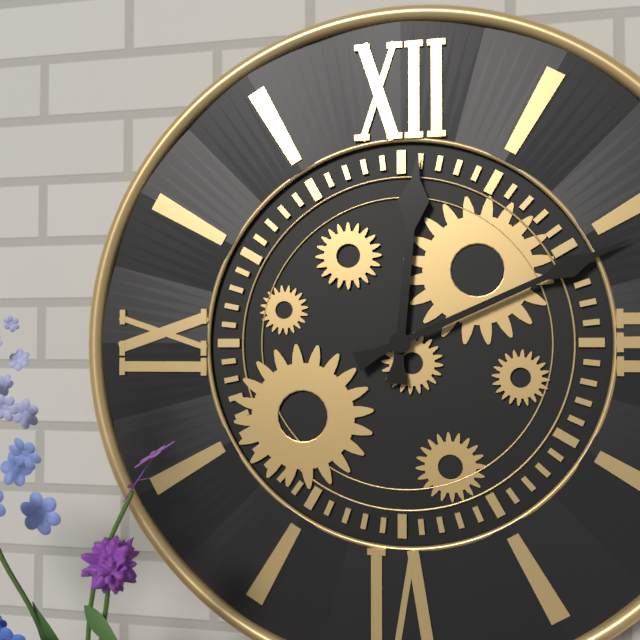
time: 12:11
